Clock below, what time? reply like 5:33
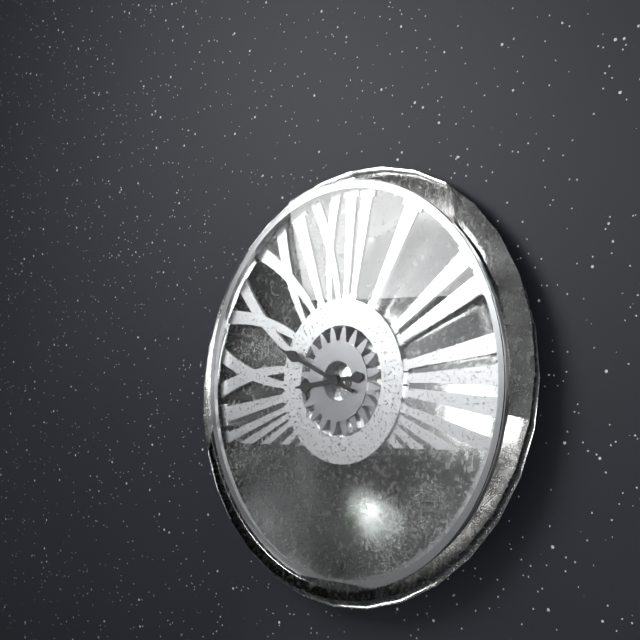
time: 8:49
